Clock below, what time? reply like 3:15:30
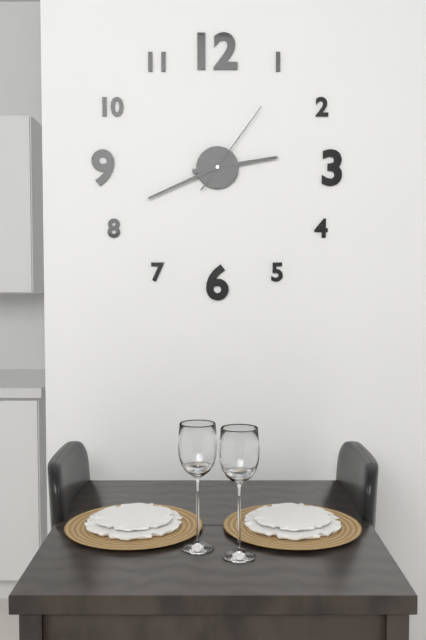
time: 2:41:06
